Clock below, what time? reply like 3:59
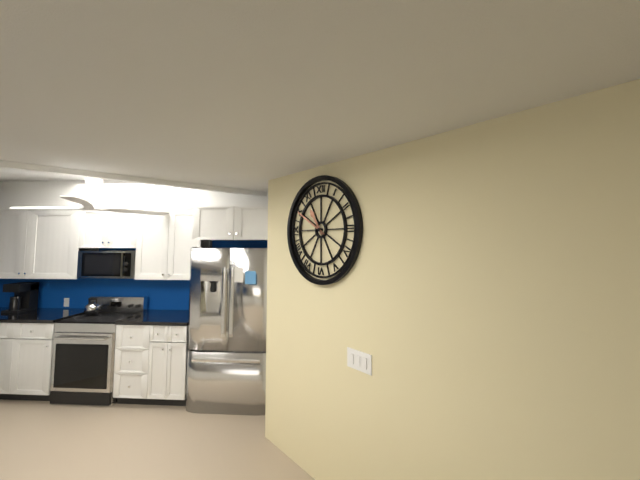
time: 10:50
